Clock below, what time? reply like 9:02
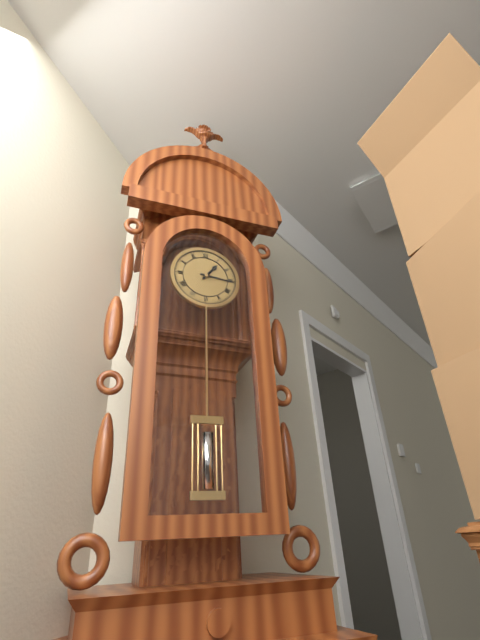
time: 1:16
